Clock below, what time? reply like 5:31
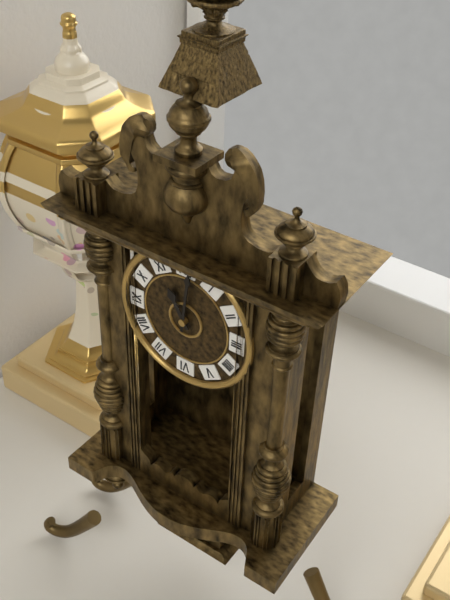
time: 11:01
